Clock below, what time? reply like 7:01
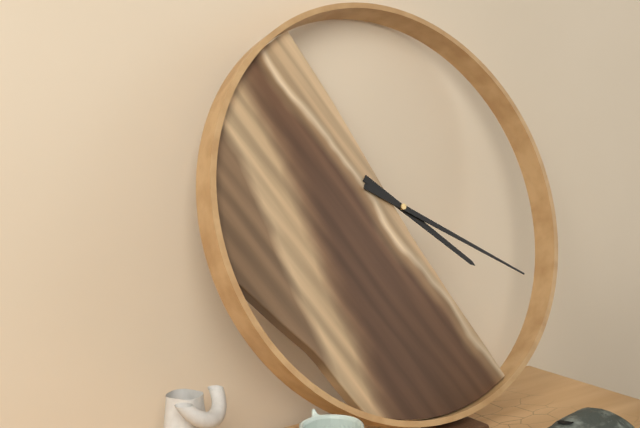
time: 4:20
